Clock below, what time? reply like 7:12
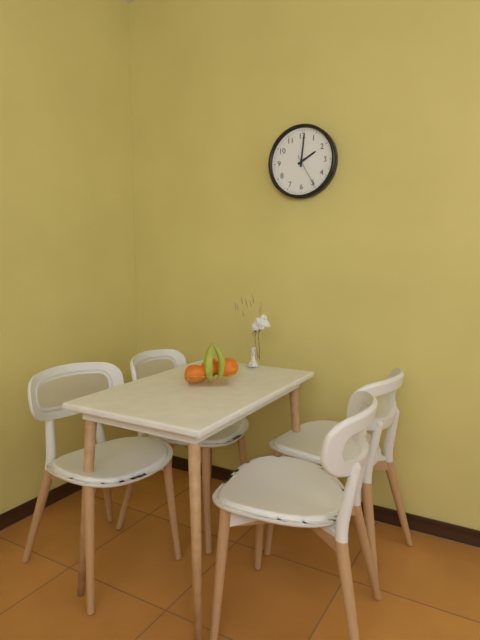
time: 2:01
